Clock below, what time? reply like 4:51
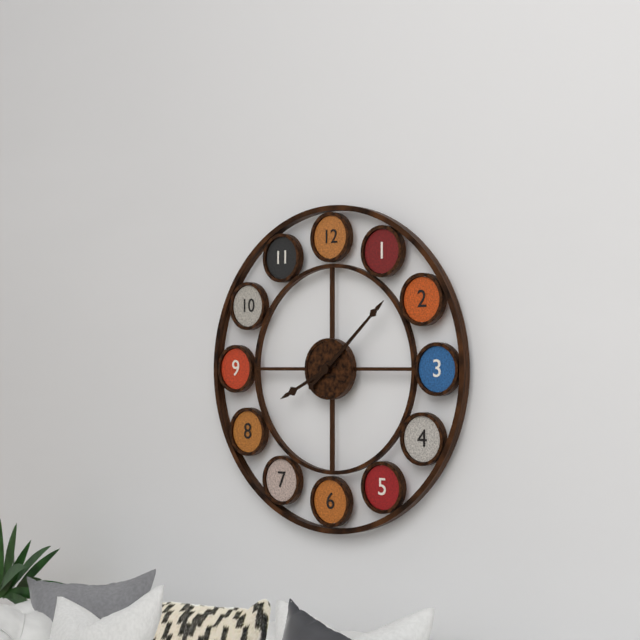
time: 8:08
